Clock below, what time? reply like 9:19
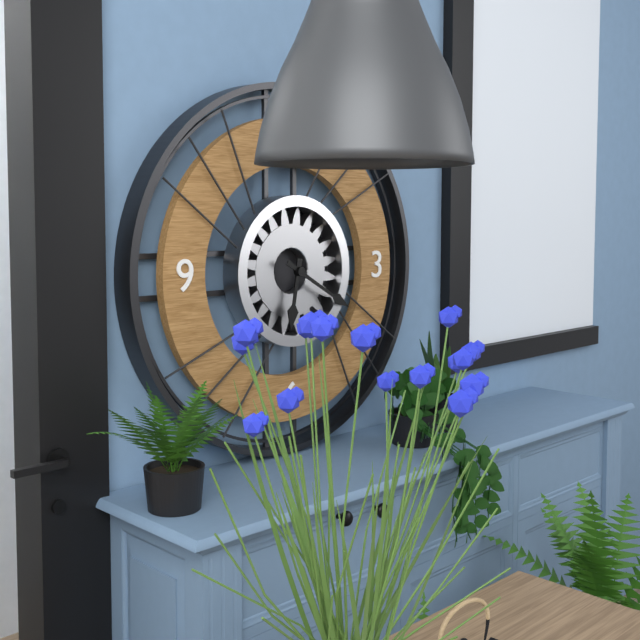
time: 6:20
